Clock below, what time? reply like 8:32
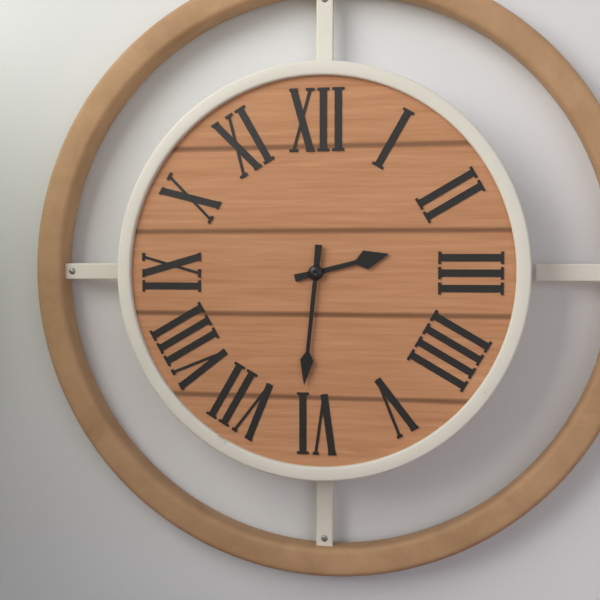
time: 2:31
